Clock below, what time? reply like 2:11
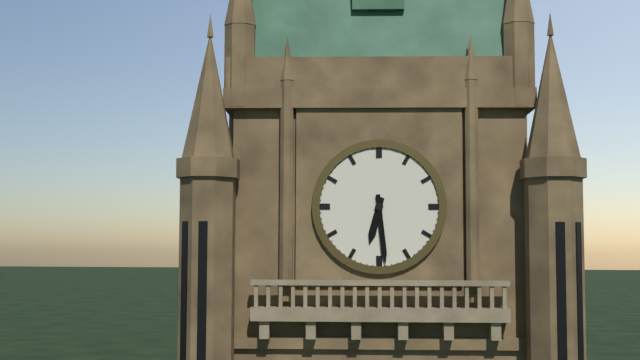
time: 6:29
